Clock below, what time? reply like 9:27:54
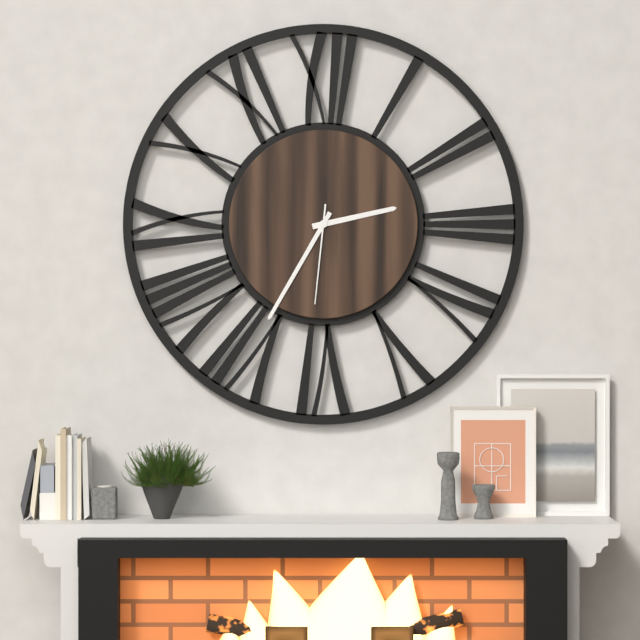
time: 2:35:31
